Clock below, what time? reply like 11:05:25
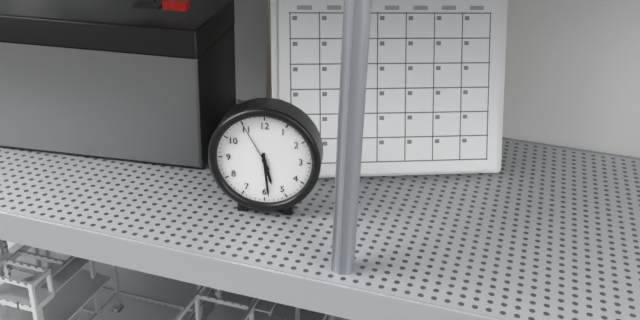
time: 5:29:55
